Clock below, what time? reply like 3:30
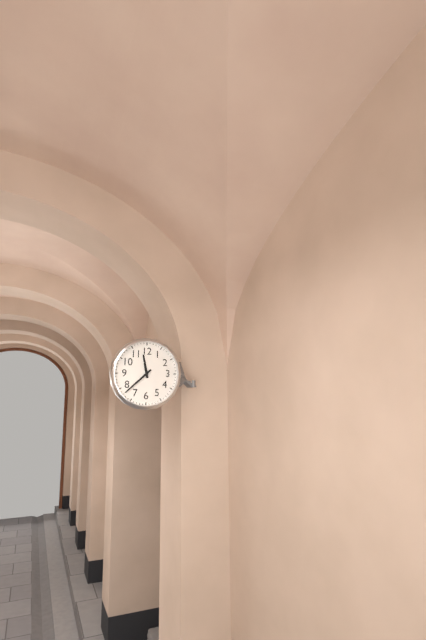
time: 11:38
